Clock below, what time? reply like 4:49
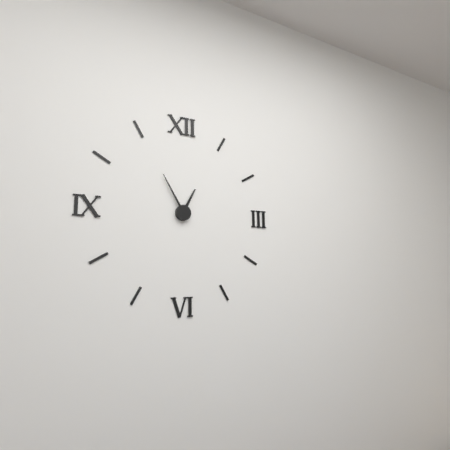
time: 12:55
